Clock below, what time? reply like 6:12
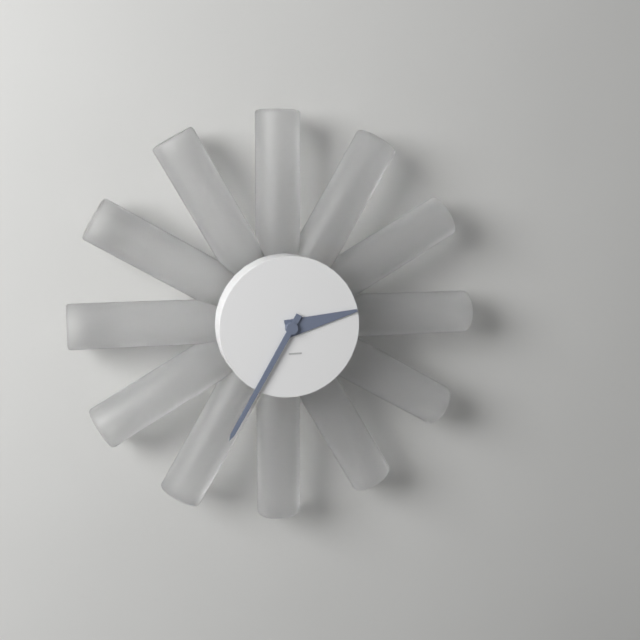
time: 2:35
